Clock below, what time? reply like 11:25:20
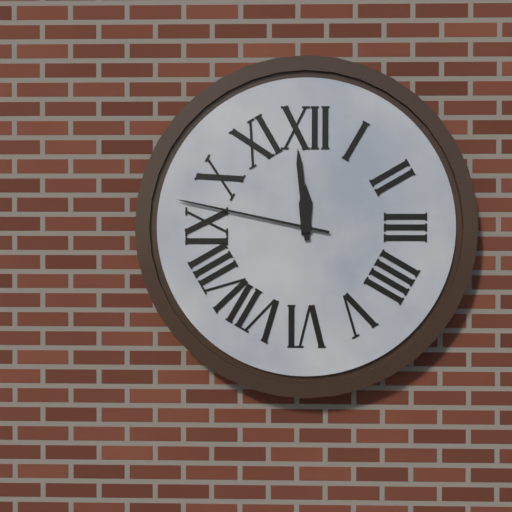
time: 11:59:47
